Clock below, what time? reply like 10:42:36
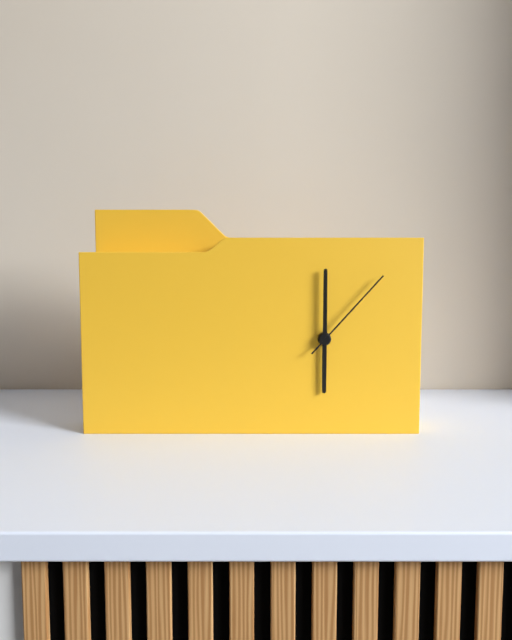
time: 6:00:07
